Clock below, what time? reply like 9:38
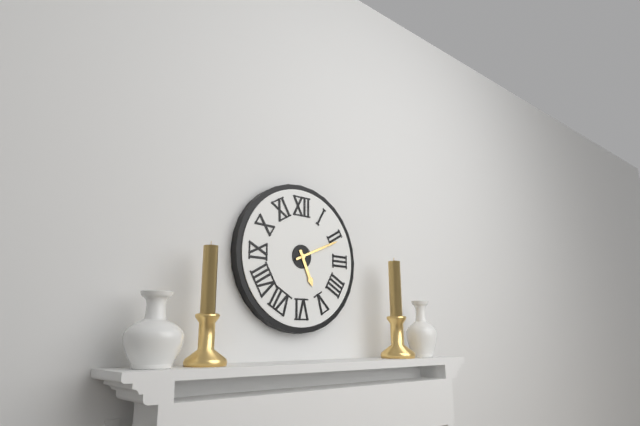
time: 5:11
